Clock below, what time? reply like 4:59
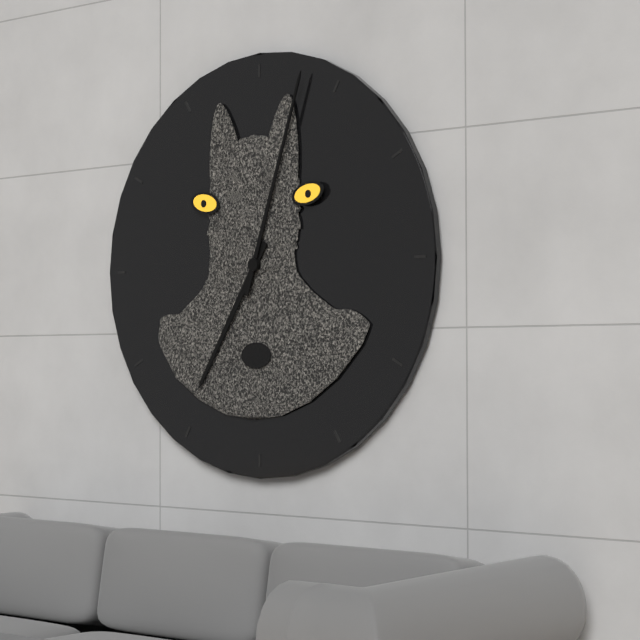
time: 7:03
